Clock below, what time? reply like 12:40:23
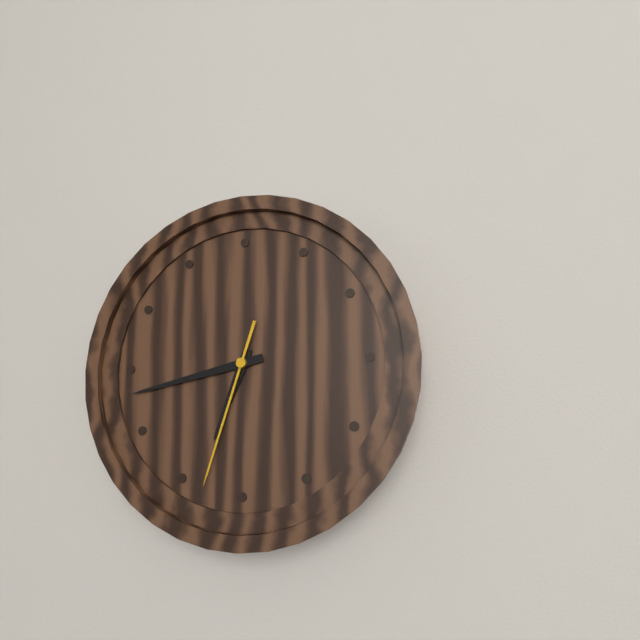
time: 6:43:33
